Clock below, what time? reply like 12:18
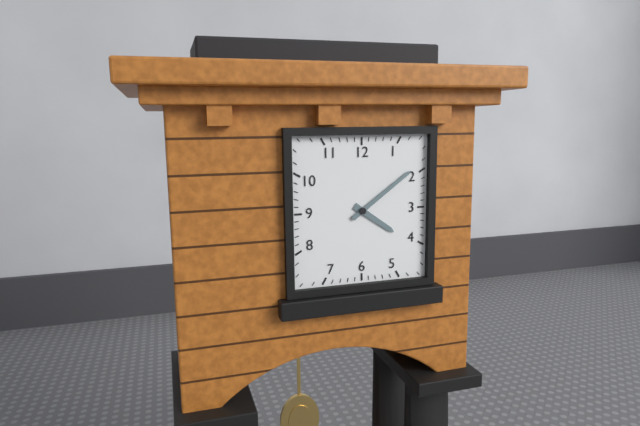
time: 4:09
